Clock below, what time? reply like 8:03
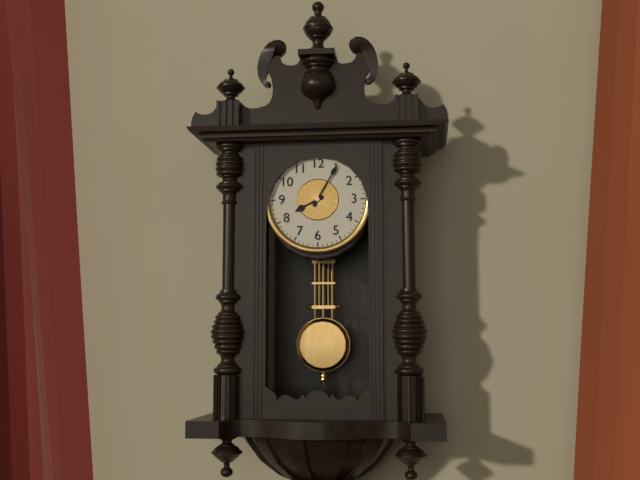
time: 8:05
